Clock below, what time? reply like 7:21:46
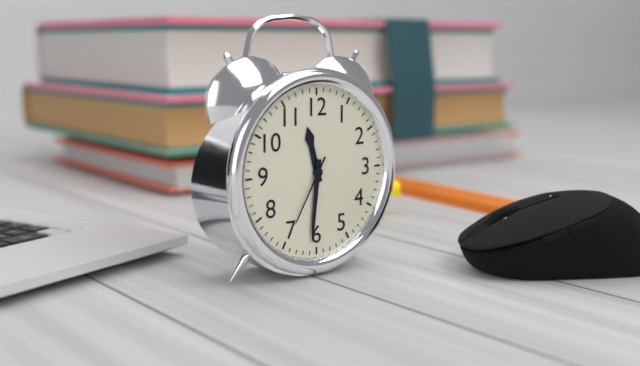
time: 11:31:35
